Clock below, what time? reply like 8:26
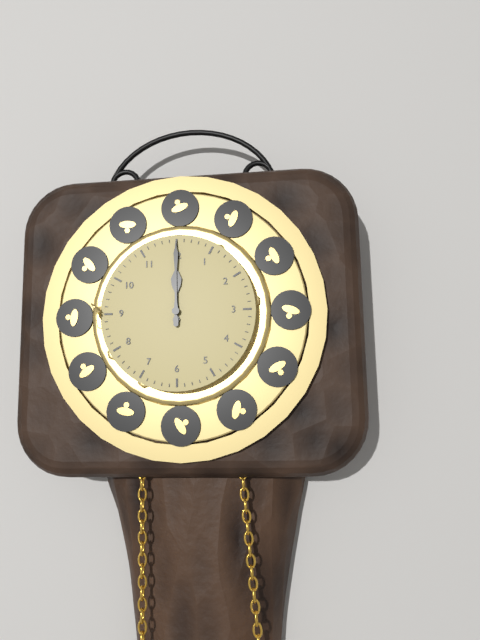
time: 12:00
